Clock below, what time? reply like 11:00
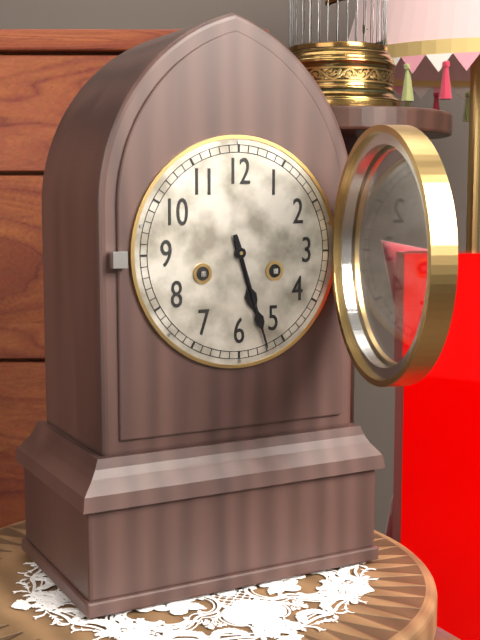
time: 5:27
